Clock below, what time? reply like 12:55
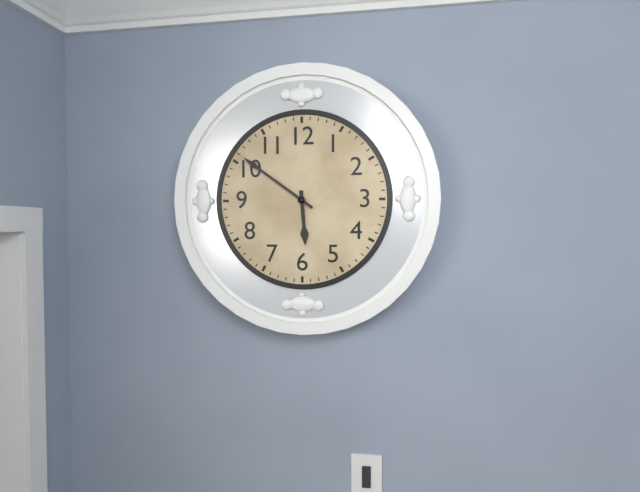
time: 5:51
